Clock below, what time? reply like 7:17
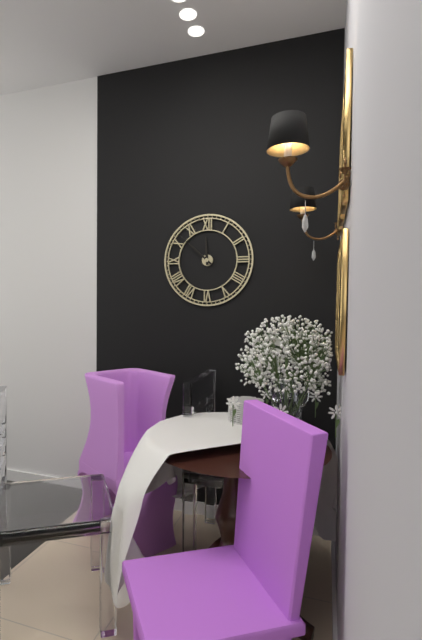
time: 11:52
